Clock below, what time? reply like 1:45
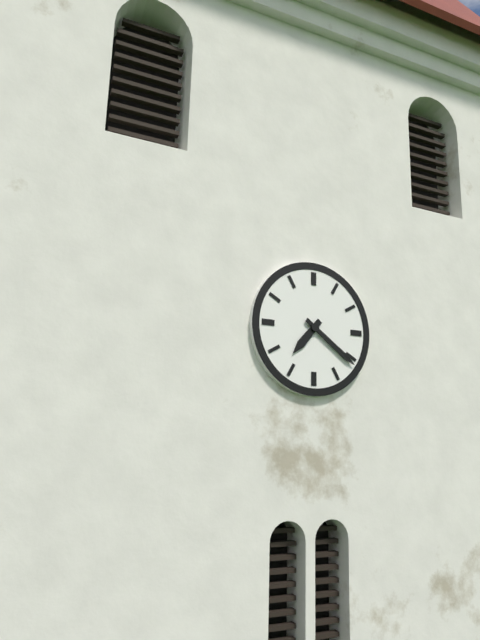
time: 7:21
